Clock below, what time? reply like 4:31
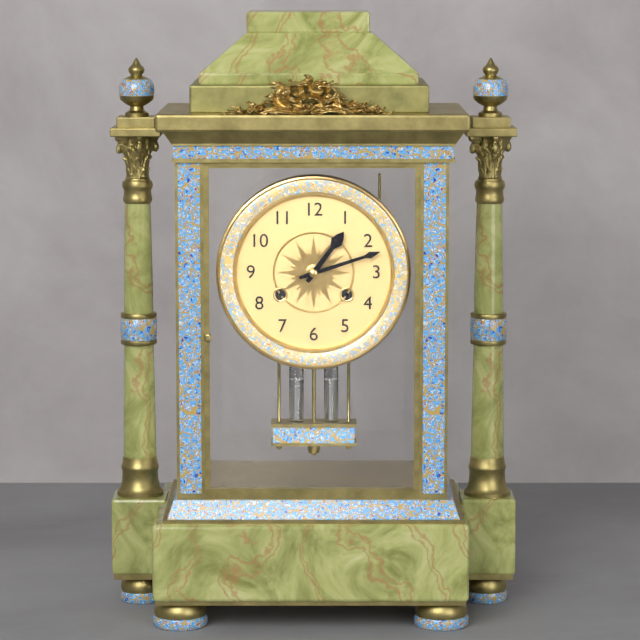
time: 1:12
